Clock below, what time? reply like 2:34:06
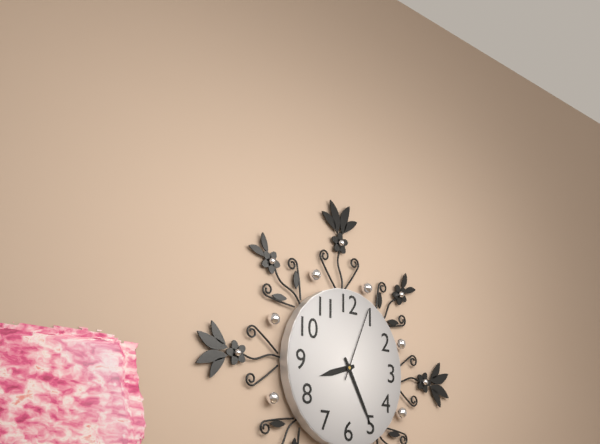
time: 8:25:04
